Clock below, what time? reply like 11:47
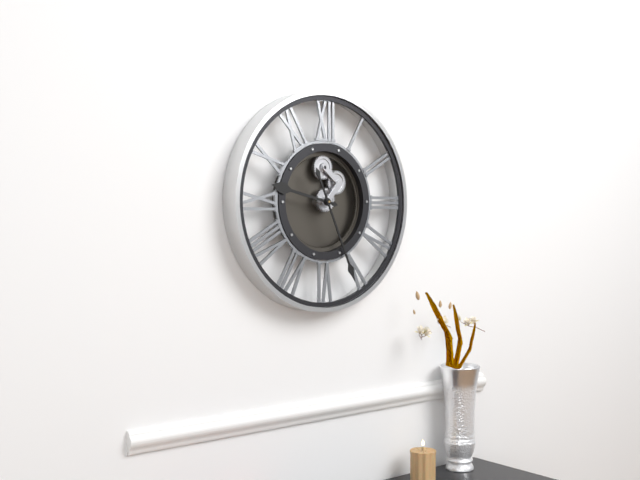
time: 9:26
